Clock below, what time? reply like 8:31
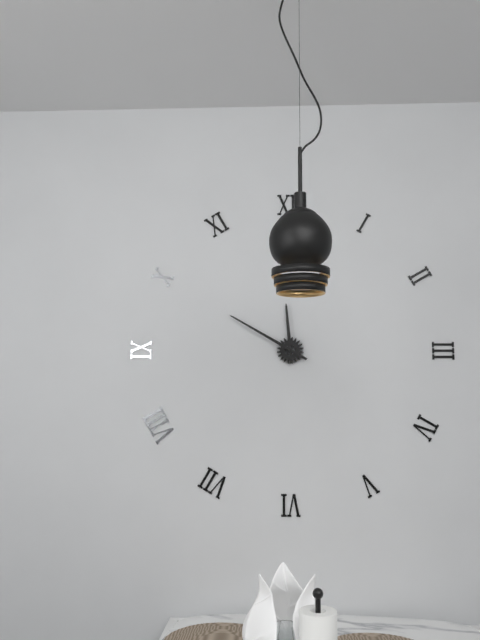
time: 11:50
